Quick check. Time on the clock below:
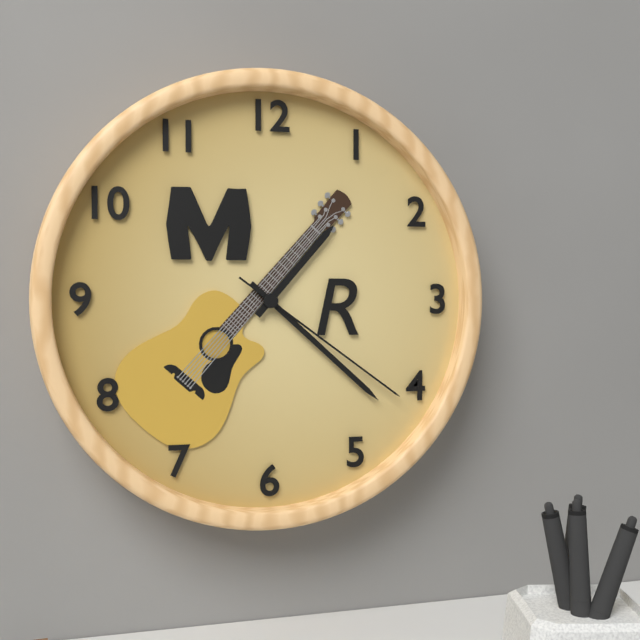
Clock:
1:22:21
